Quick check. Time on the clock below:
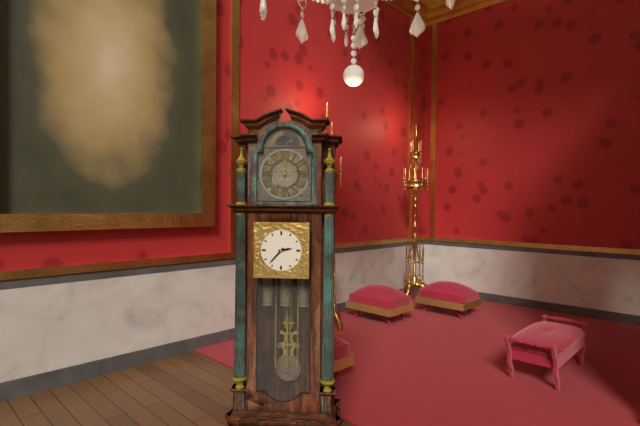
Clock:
2:37
